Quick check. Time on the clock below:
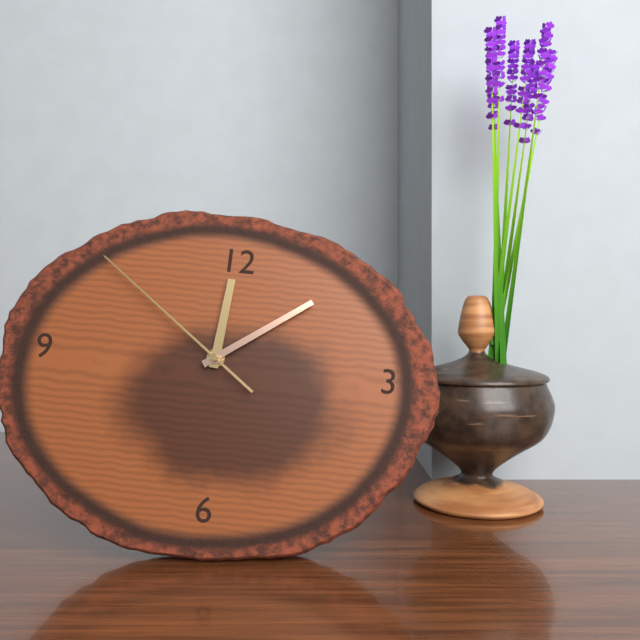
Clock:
12:09:51
